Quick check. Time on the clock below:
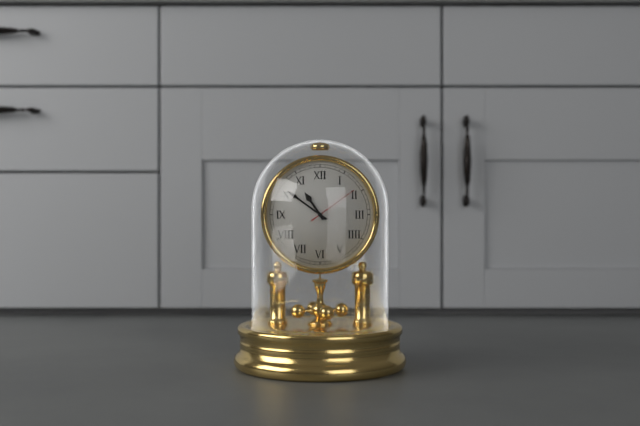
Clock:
10:51:09
